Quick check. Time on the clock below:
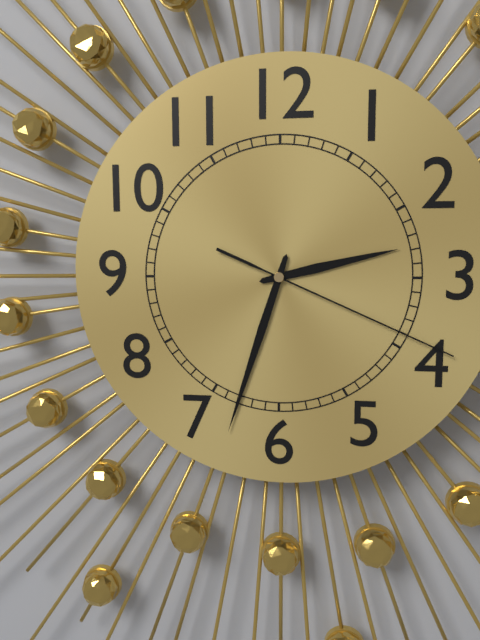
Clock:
2:33:19
